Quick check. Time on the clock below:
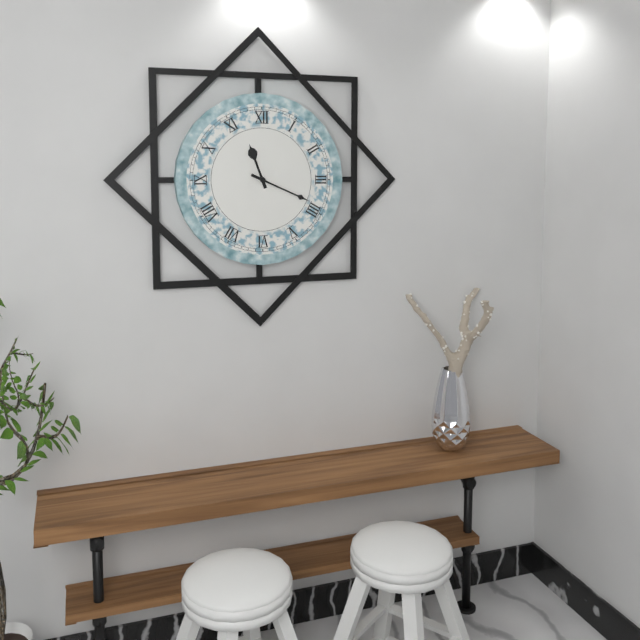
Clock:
11:19
